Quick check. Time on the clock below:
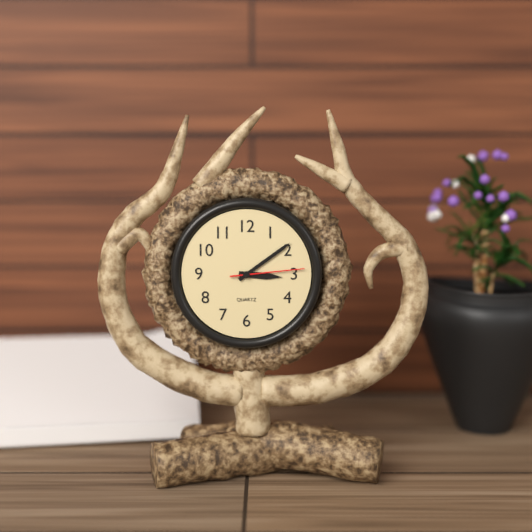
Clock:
3:09:14
